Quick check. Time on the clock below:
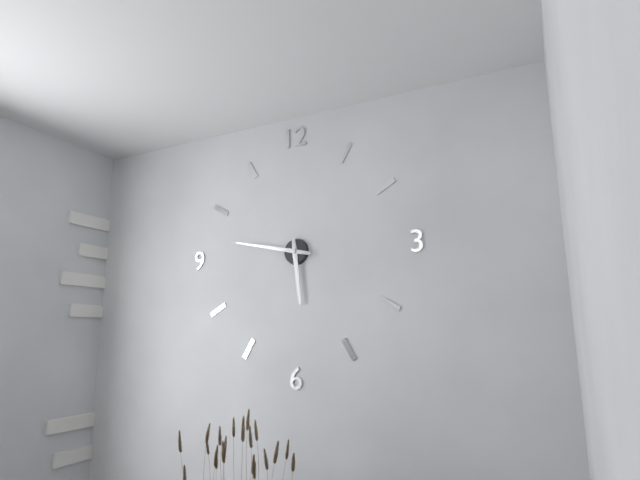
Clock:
5:47
